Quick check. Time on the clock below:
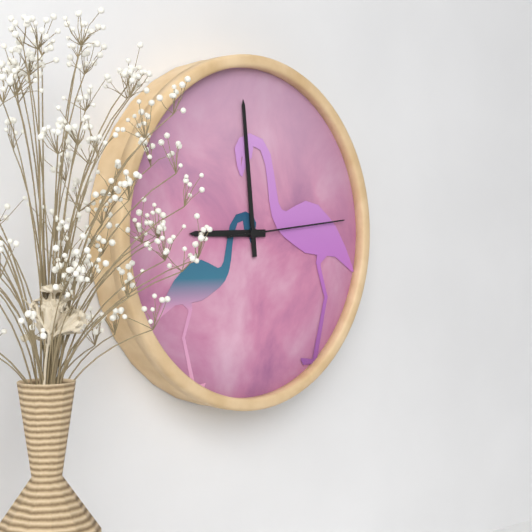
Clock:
8:59:14
